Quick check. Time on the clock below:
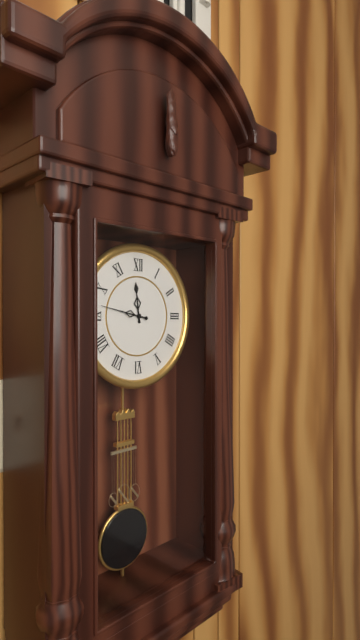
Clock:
11:47
